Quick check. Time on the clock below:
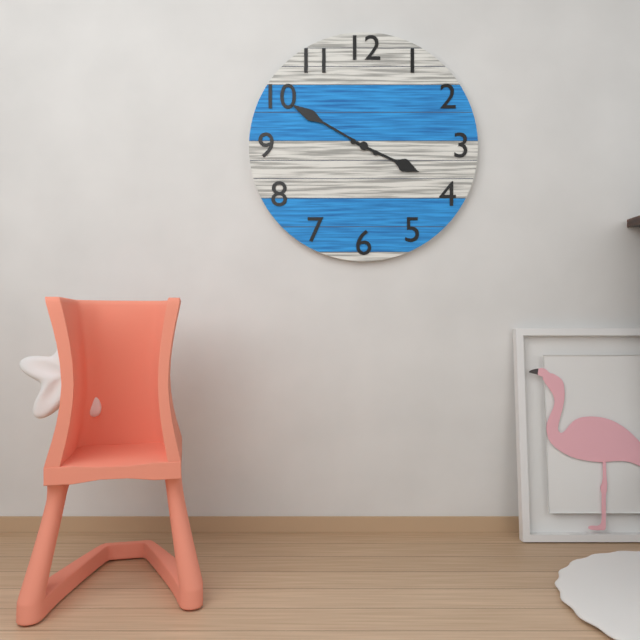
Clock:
3:50
